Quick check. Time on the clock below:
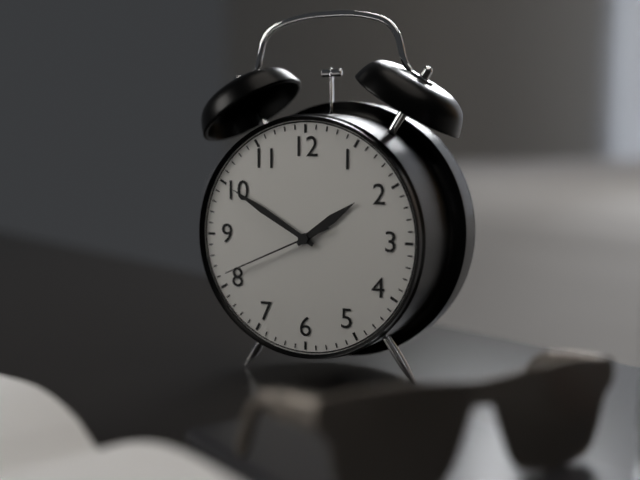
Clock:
1:50:41
